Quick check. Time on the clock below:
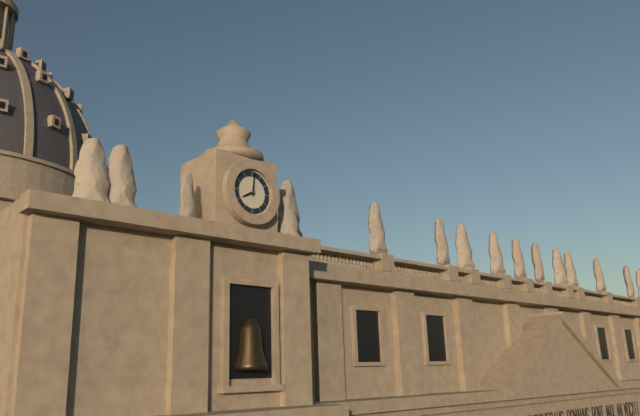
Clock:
8:01
